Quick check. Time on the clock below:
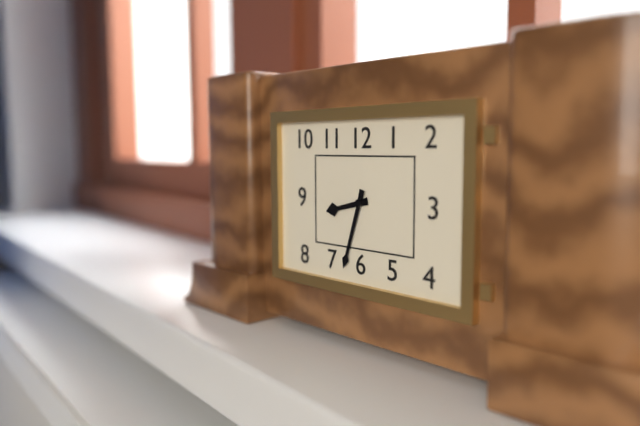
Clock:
8:33
